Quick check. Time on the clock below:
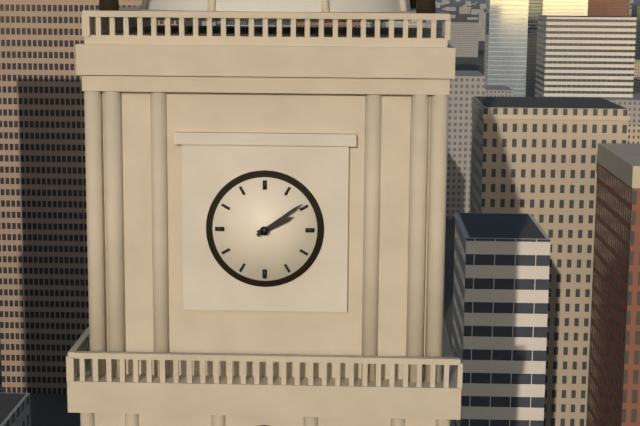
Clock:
2:09
